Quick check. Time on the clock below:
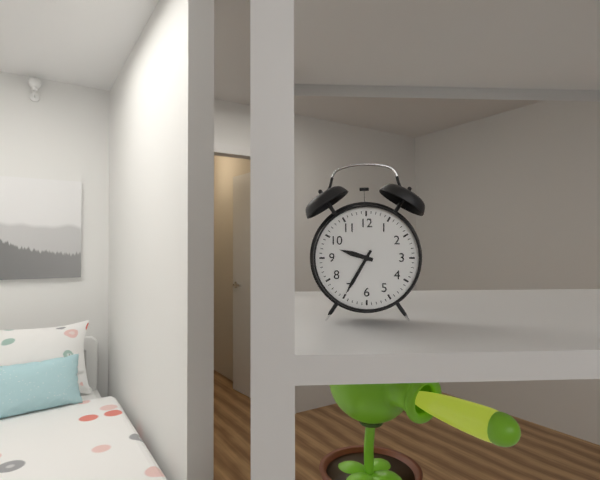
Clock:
9:35
